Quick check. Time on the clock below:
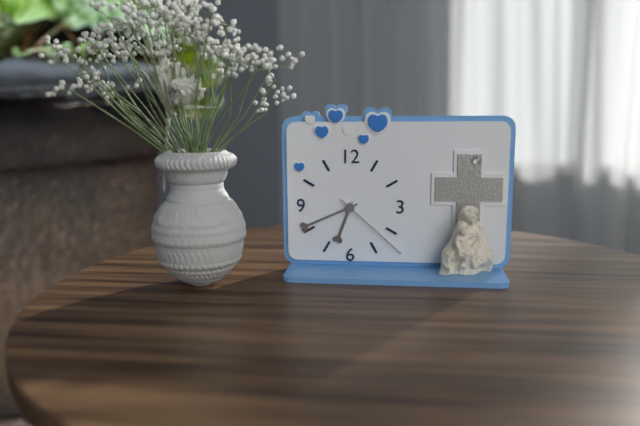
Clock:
6:41:22
